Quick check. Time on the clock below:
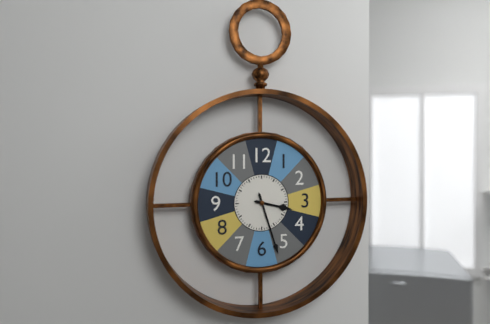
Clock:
3:27
